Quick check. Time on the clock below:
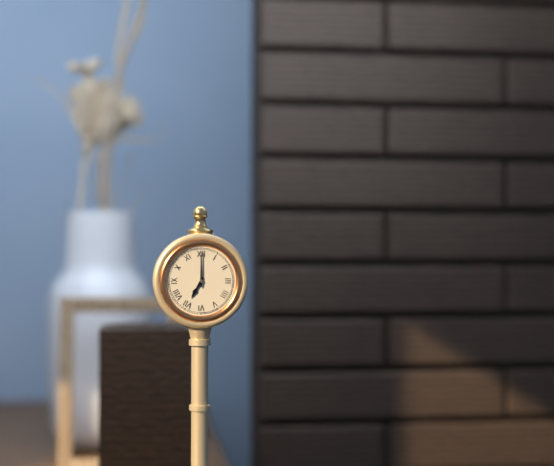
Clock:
7:00
